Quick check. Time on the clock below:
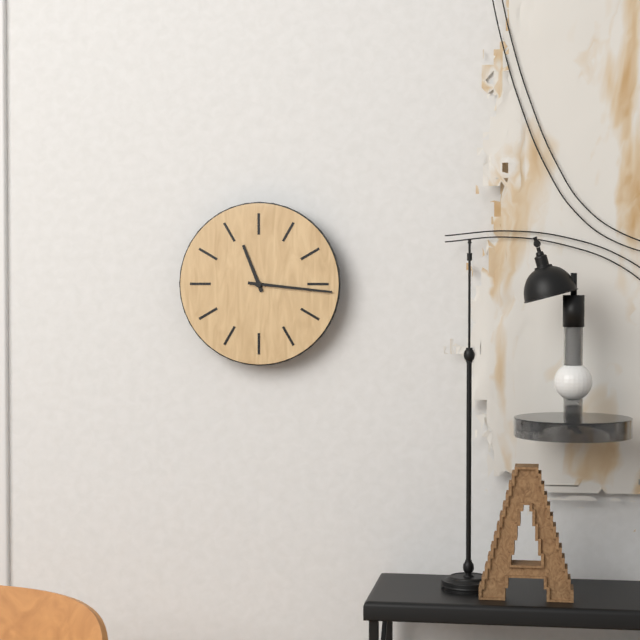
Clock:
11:16
